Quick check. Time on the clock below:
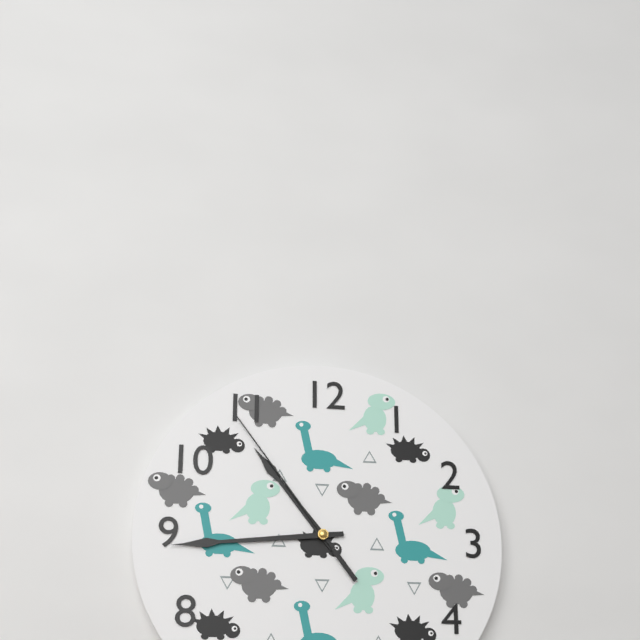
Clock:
10:44:54
